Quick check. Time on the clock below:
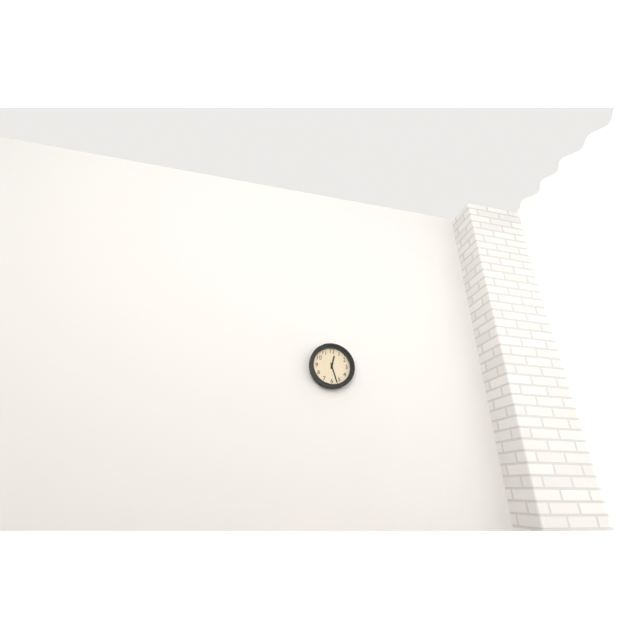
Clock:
12:27
